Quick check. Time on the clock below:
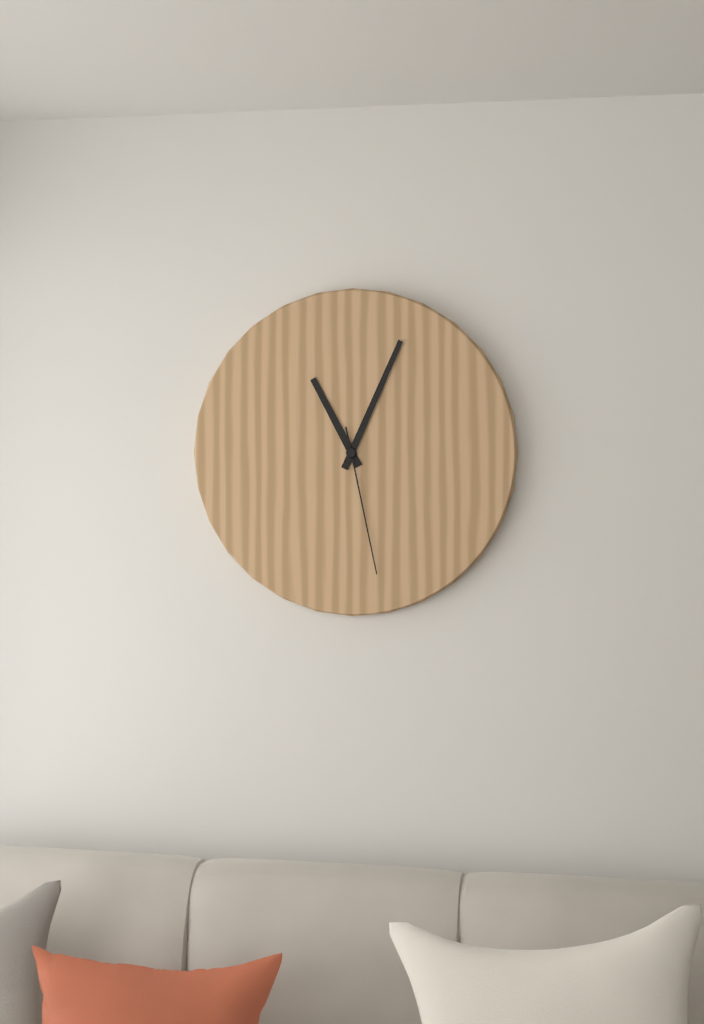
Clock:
11:04:28
